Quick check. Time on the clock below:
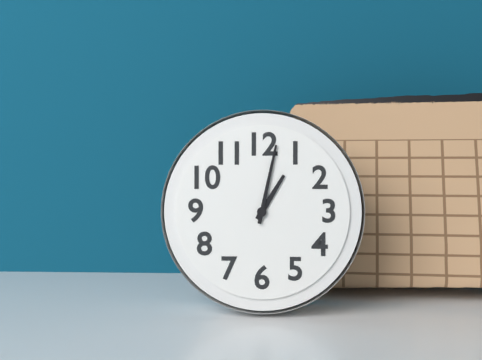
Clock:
1:02
